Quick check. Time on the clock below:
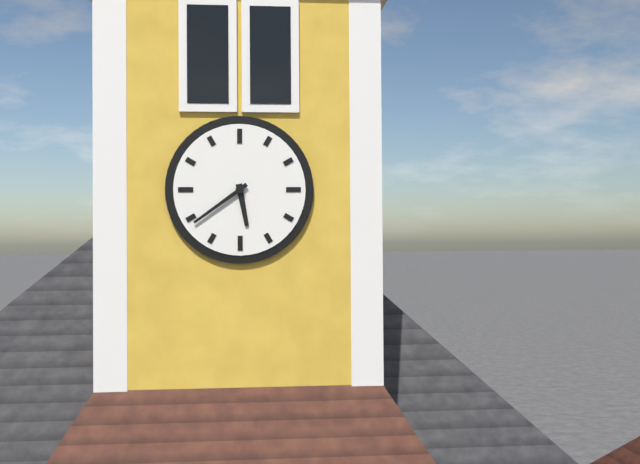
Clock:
5:39
